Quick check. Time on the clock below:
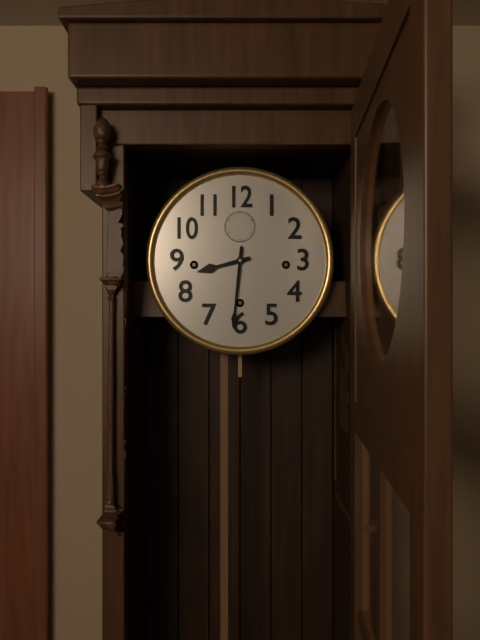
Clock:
8:31
